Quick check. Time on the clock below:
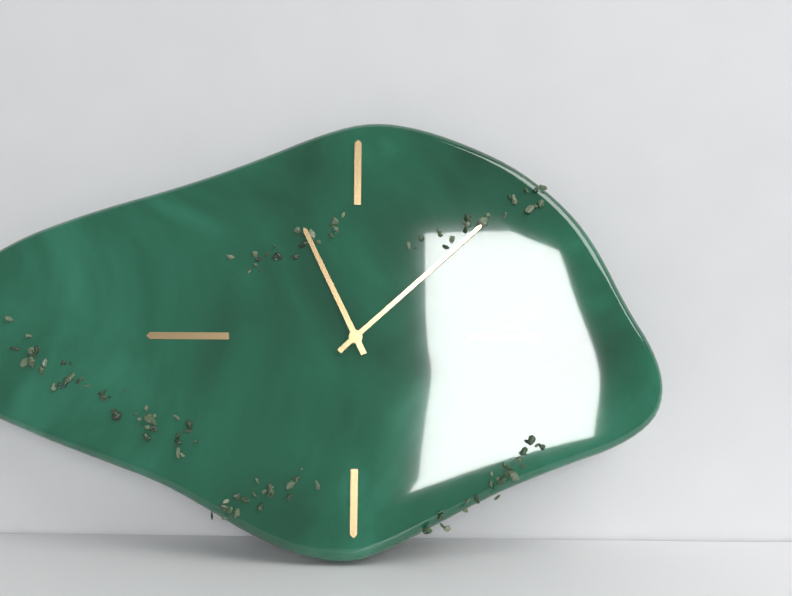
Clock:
11:08
